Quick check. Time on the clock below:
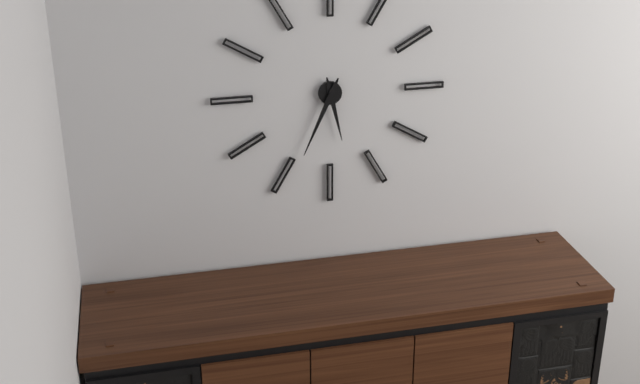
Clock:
5:34
